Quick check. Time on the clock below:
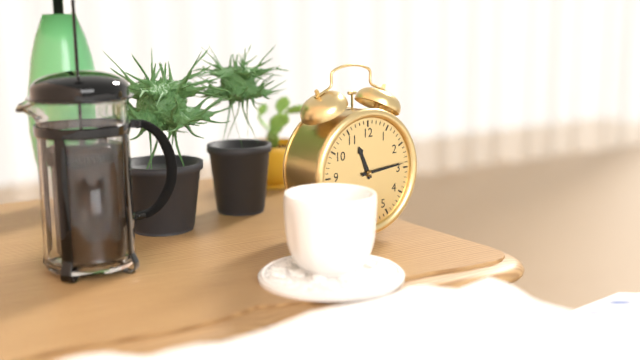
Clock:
11:14
